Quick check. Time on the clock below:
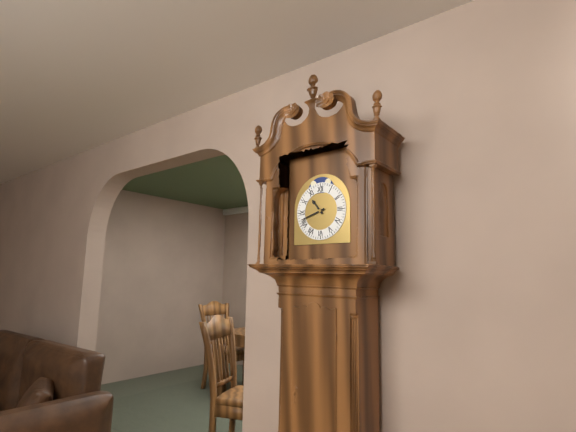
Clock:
10:42
